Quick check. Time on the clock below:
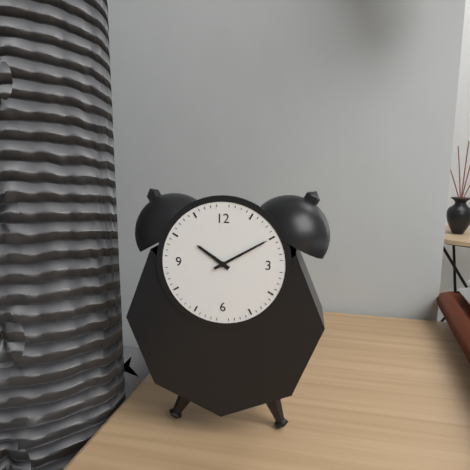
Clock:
10:10
